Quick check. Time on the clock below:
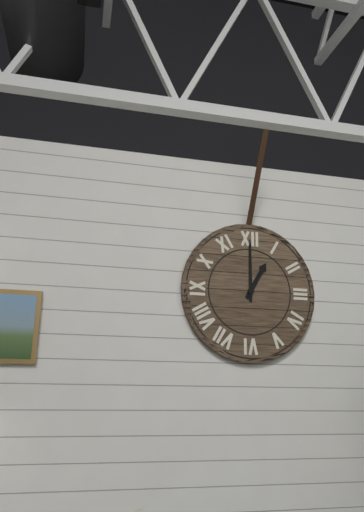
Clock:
1:00
